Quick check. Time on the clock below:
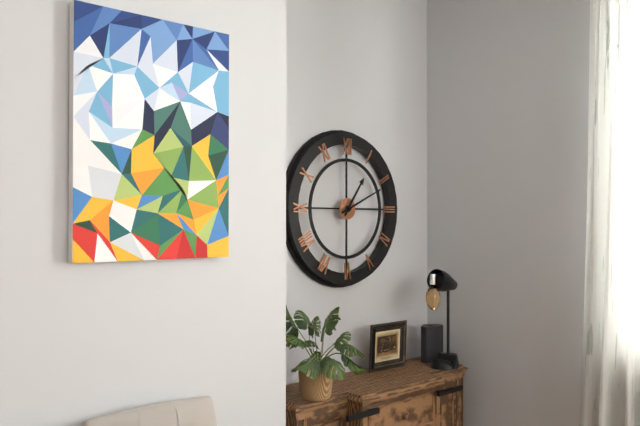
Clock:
1:11
